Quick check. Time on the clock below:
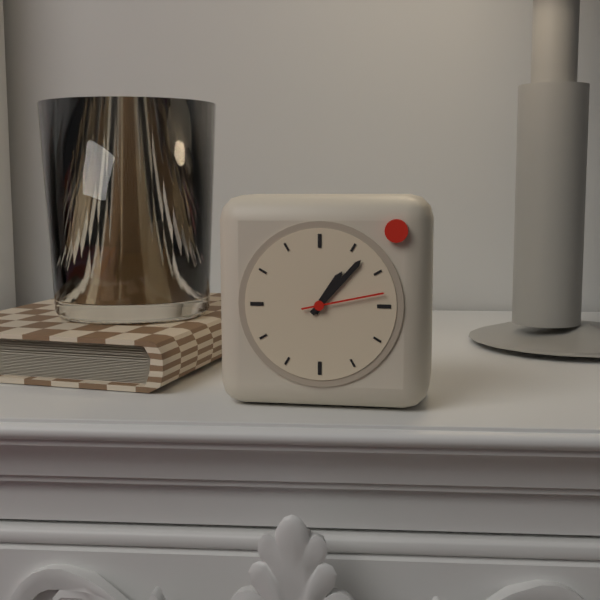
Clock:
1:07:13
